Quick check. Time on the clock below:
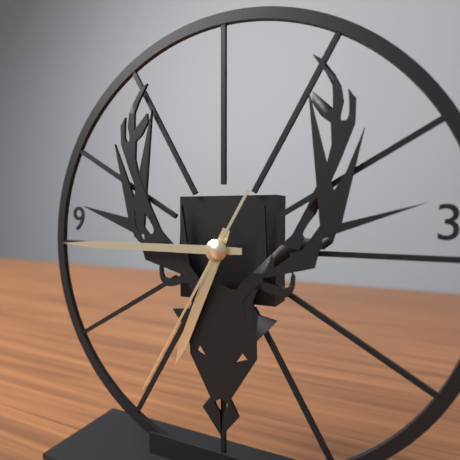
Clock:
6:45:35
